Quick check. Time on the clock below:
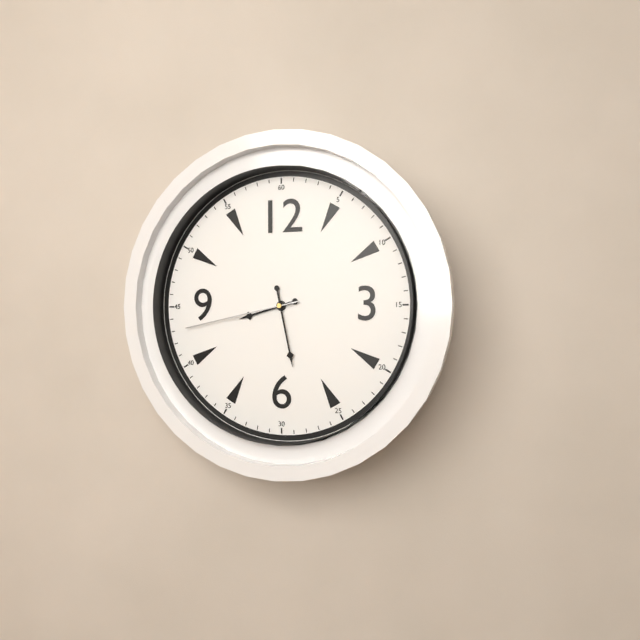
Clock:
8:28:43
